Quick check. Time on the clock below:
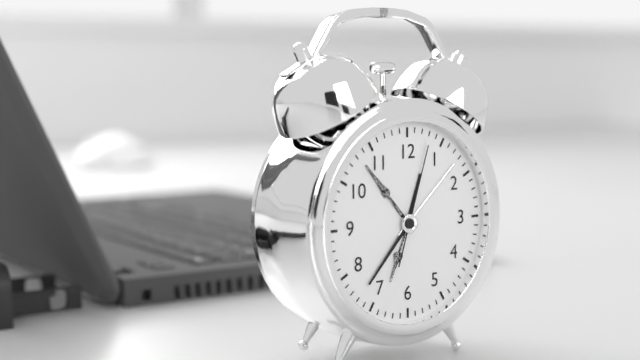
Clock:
12:37:03
